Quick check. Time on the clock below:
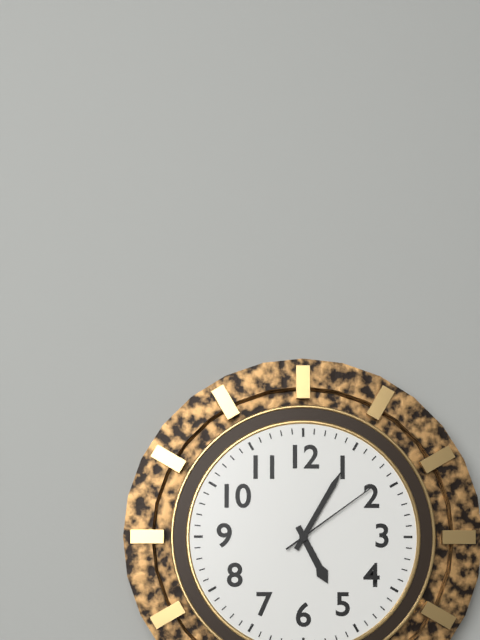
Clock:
5:05:09
